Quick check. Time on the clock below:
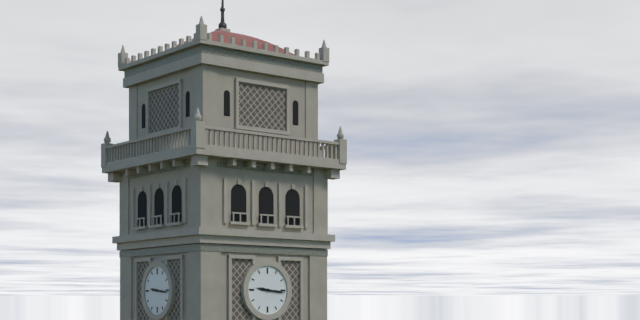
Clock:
9:16
